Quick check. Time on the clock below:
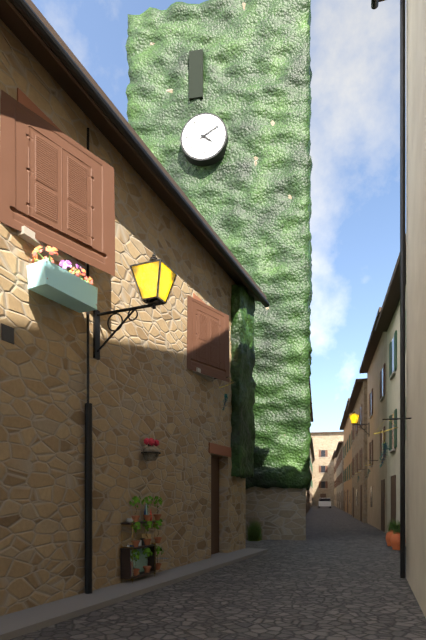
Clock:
4:10
